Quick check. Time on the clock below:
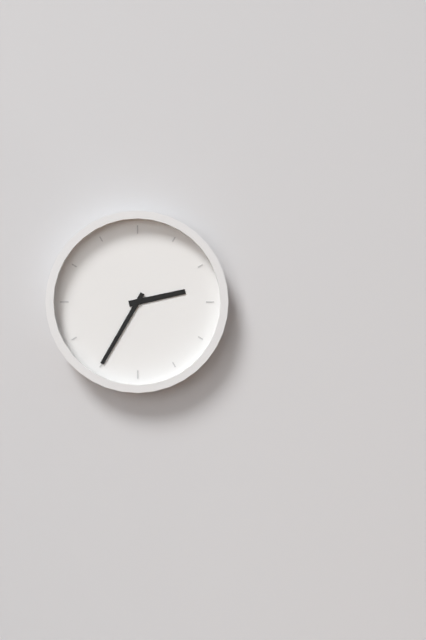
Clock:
2:35
